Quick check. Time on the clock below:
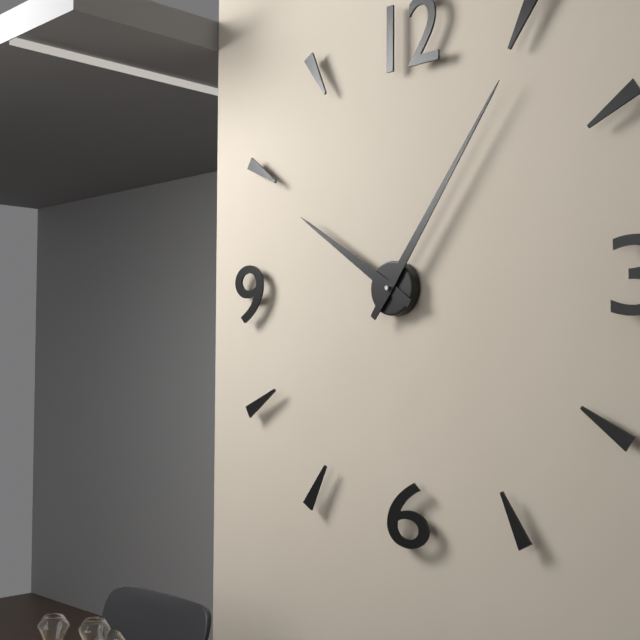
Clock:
10:06
